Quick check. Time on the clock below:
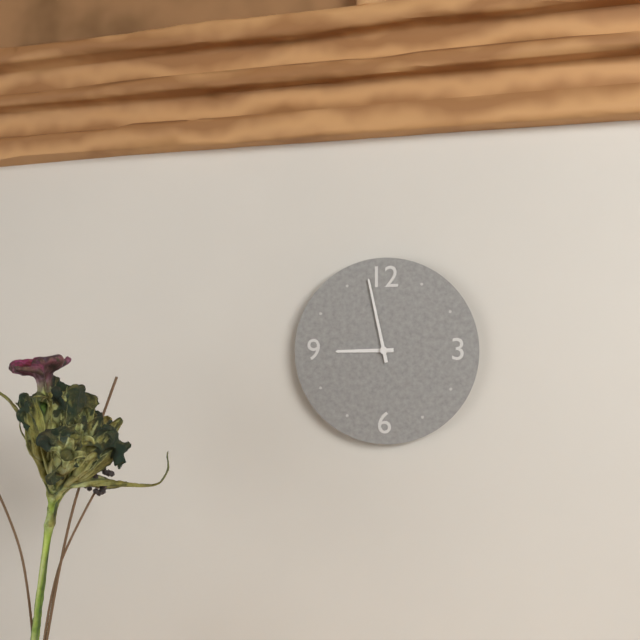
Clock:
8:58
